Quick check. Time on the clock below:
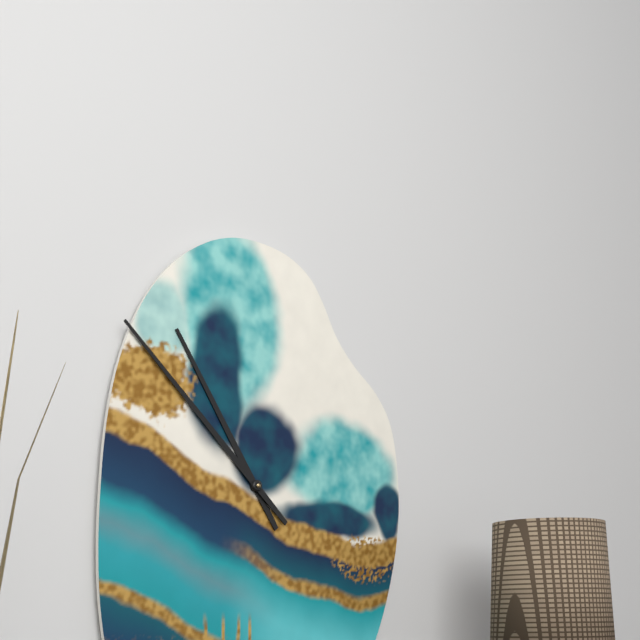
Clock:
10:52
